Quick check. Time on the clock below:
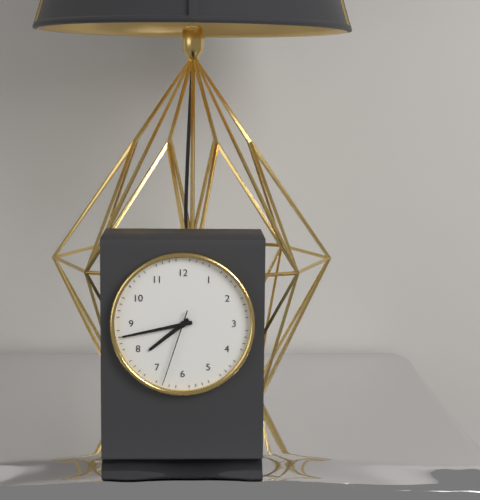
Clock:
7:43:33
